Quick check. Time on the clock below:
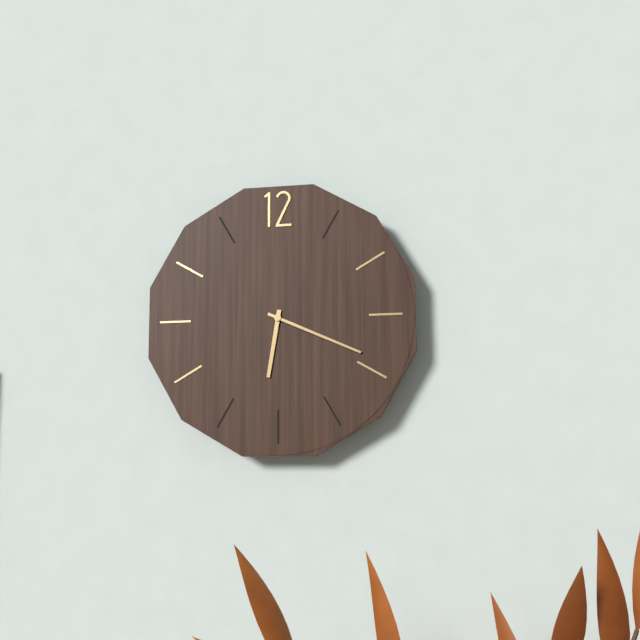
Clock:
6:19
